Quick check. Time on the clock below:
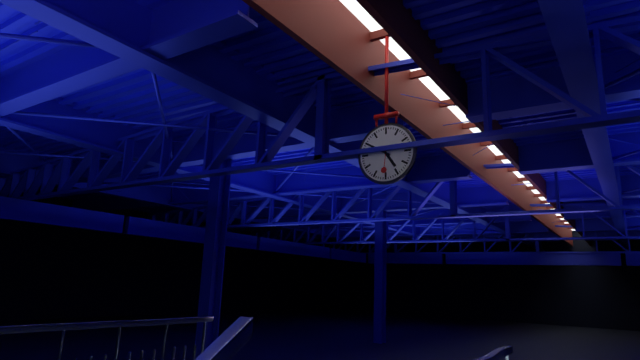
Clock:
4:50
